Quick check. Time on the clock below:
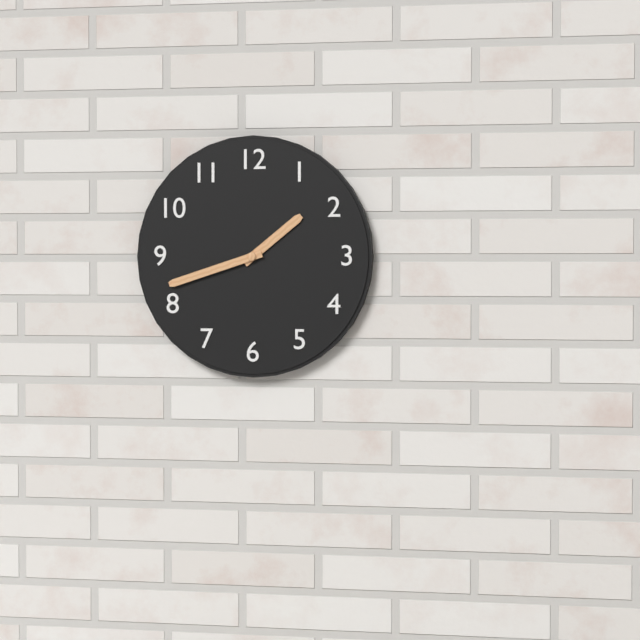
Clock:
1:42
